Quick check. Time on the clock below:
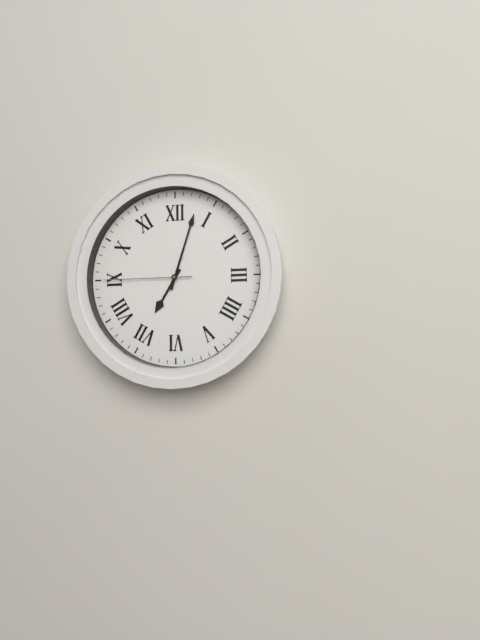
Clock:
7:03:45
